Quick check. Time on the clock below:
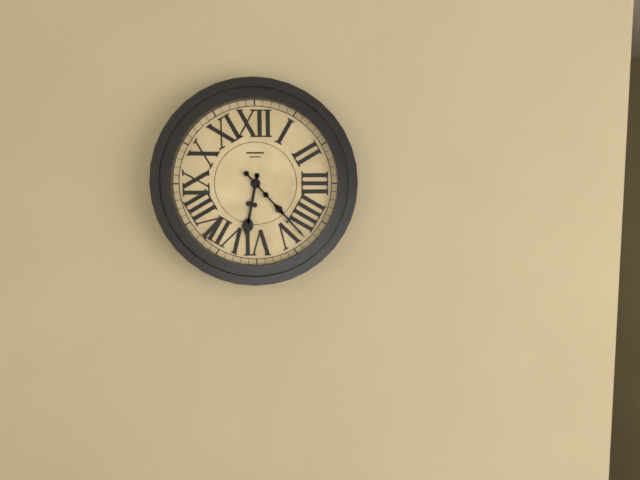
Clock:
6:23
